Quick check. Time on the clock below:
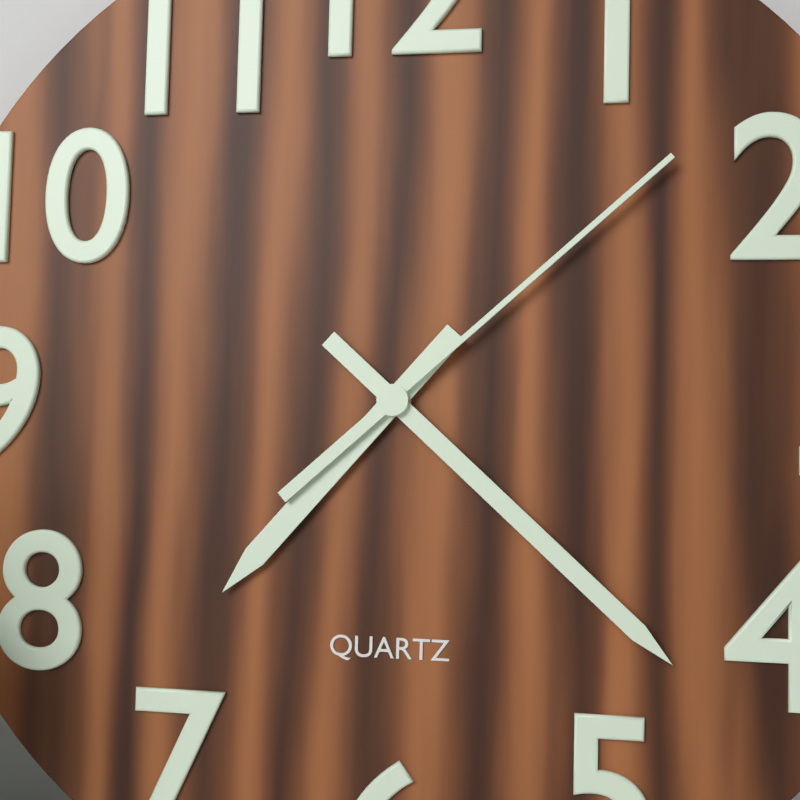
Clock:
7:22:08
